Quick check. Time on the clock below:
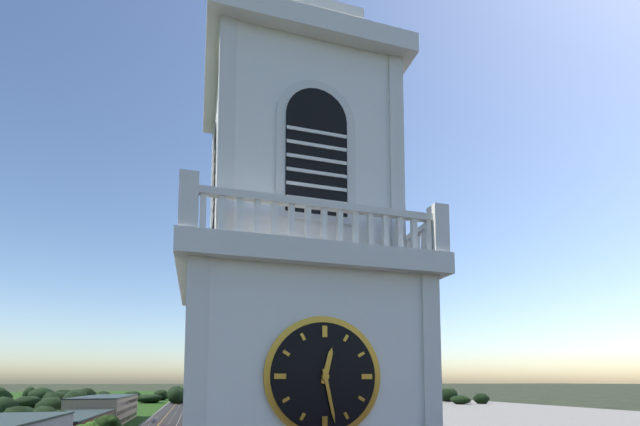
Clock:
12:28
